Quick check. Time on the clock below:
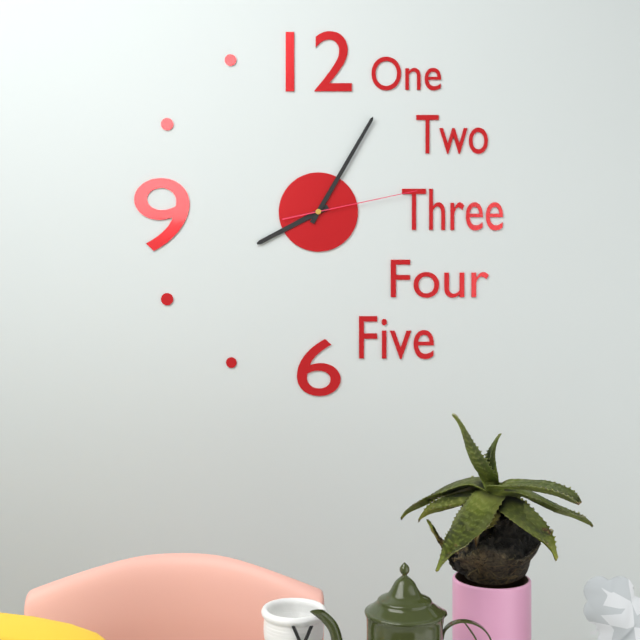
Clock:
8:05:13
